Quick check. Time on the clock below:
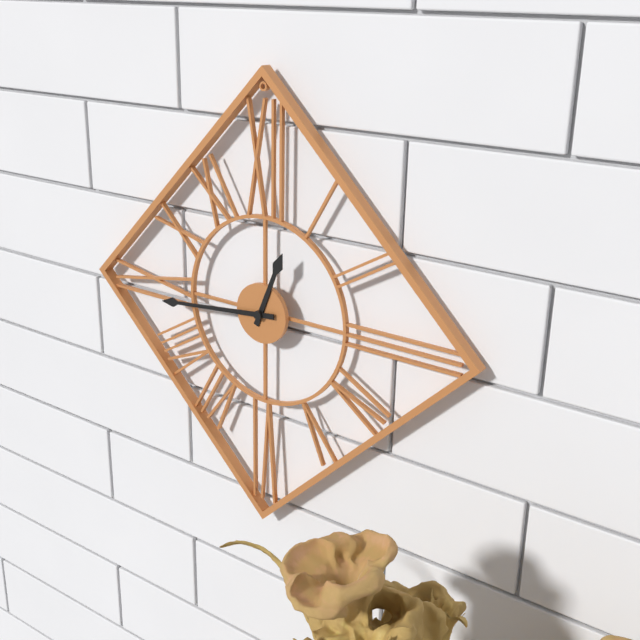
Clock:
12:44
